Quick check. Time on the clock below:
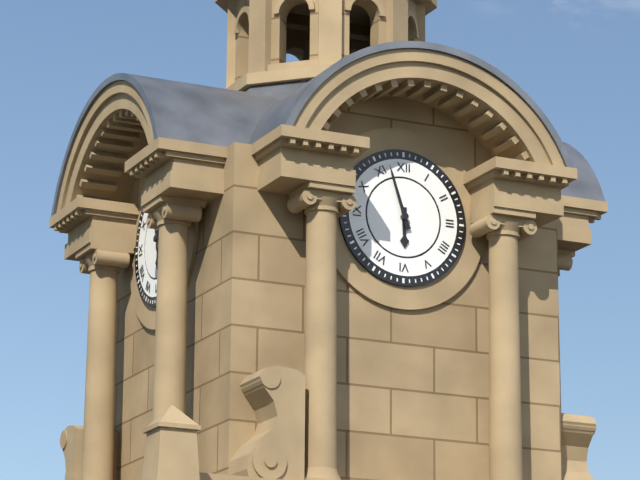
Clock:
5:57
